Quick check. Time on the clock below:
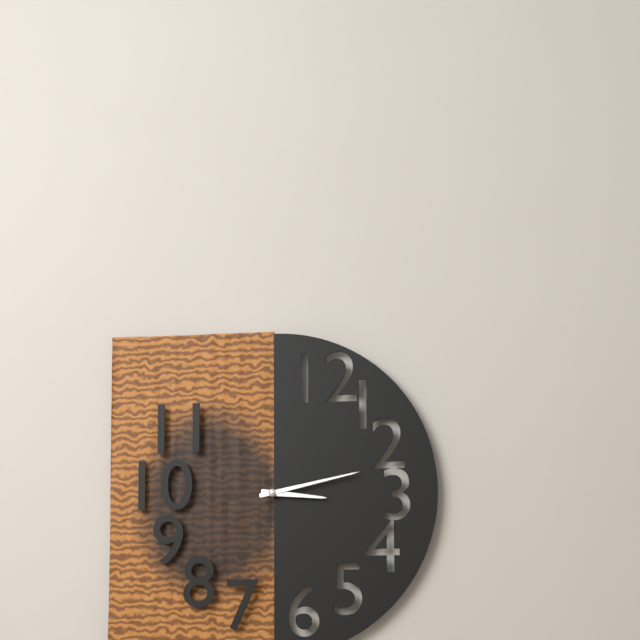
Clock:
3:13
